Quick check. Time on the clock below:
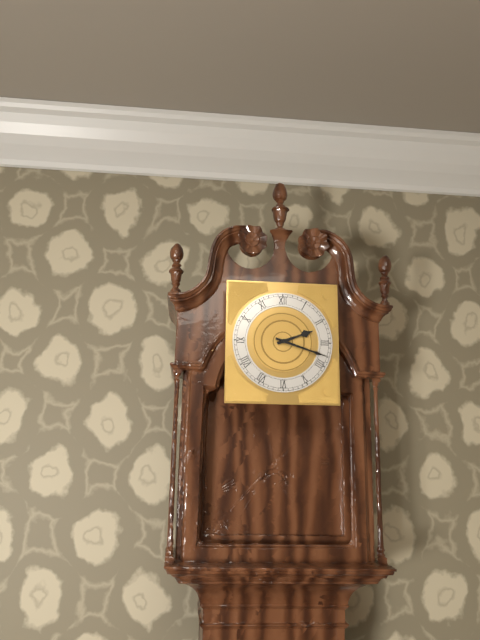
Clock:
2:18
